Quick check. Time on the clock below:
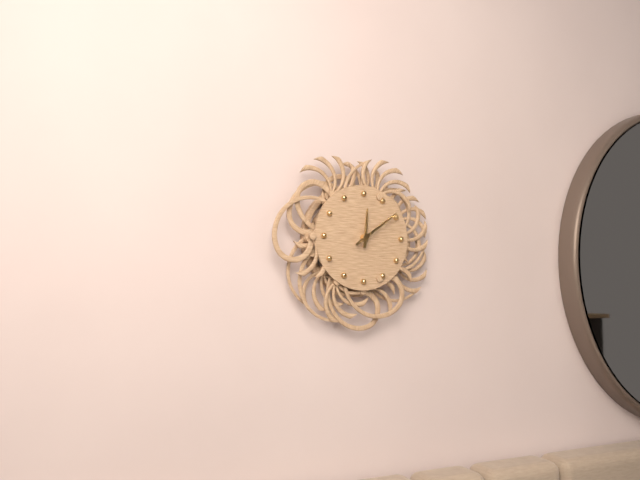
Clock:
12:09
